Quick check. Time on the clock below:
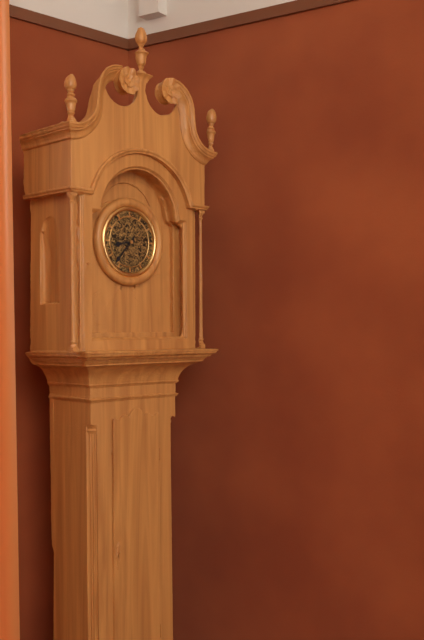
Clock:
8:37
